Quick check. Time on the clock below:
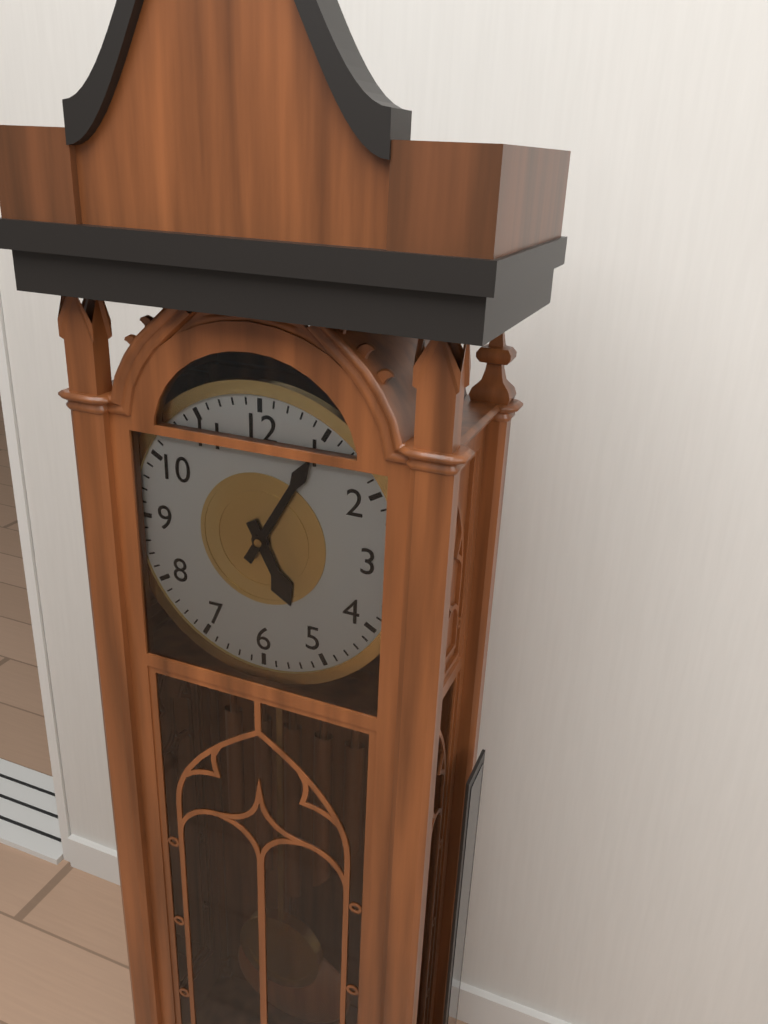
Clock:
5:05
